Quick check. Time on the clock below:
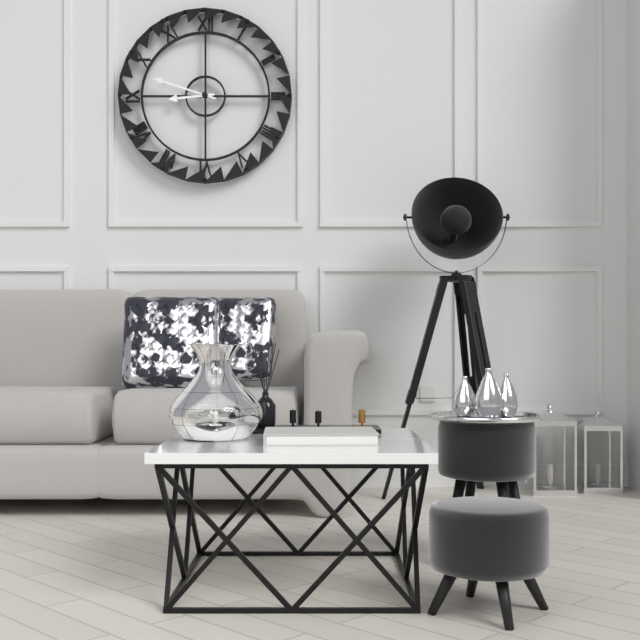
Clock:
8:48
